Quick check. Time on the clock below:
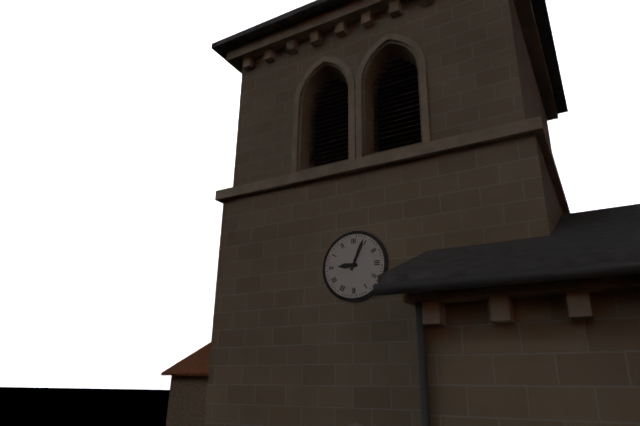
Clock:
9:04
